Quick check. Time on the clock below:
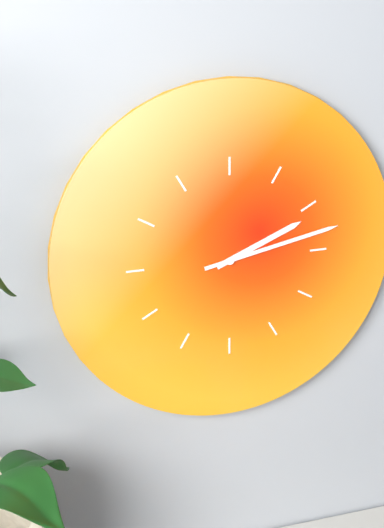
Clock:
2:13
